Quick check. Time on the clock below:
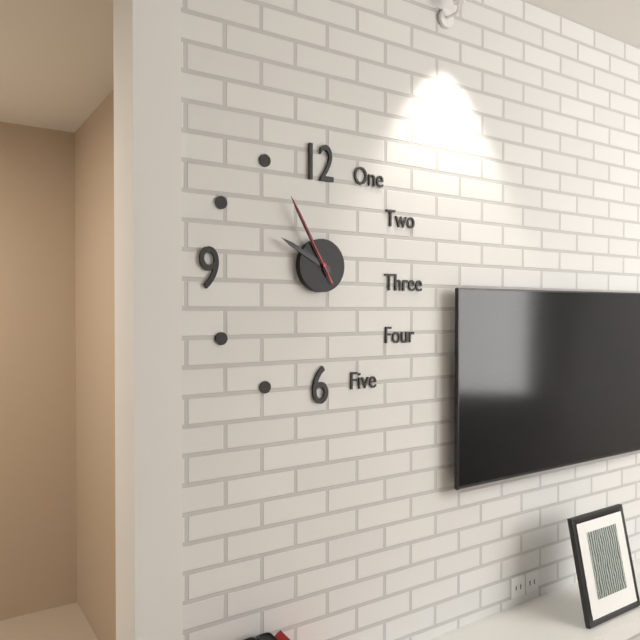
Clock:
9:55:55
